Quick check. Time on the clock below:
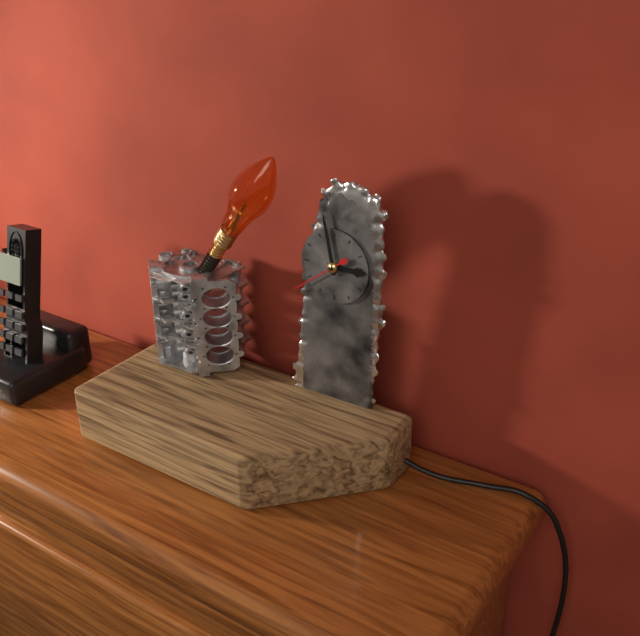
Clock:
2:58:39
